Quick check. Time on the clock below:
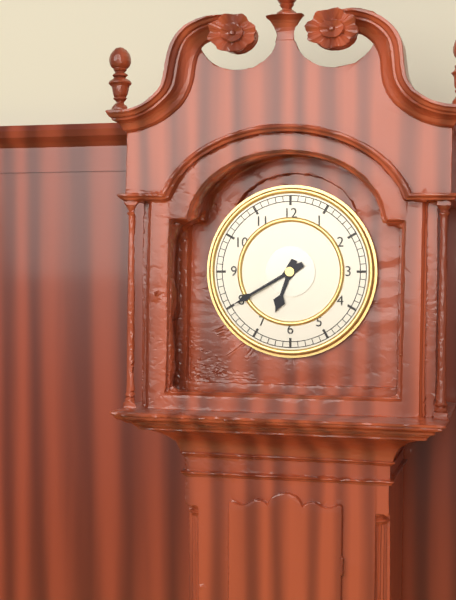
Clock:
6:40
